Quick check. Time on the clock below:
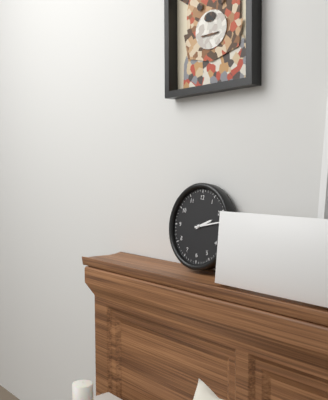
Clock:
2:13
